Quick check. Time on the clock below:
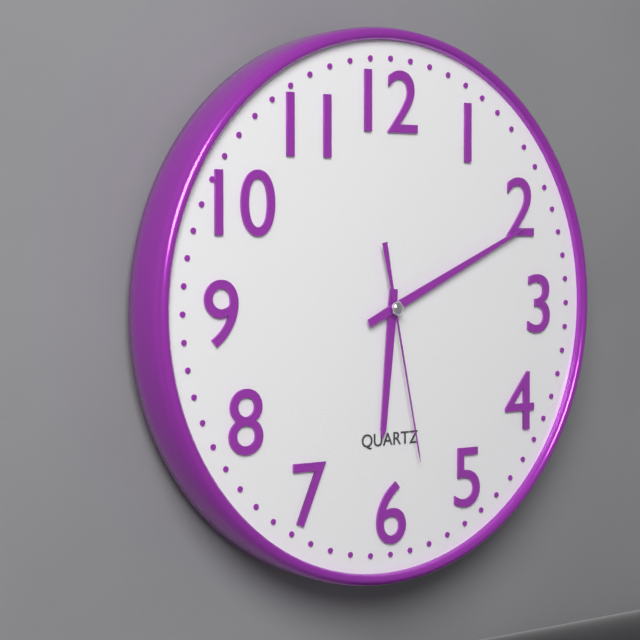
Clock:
6:11:28
